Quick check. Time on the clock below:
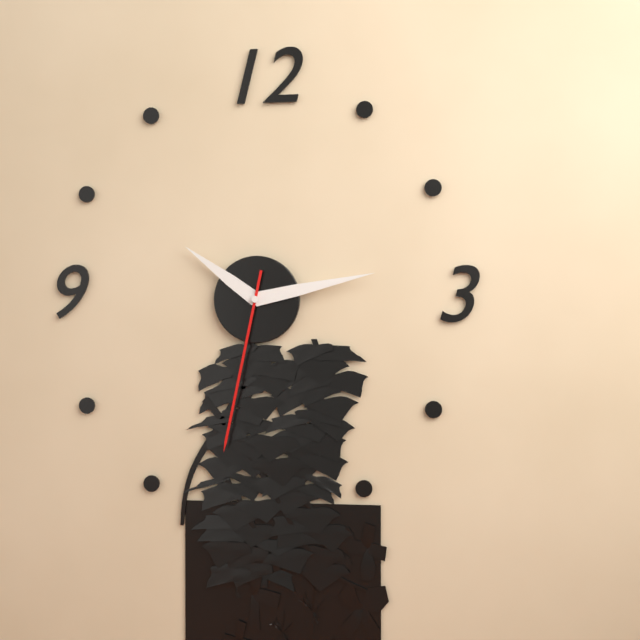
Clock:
10:13:32
